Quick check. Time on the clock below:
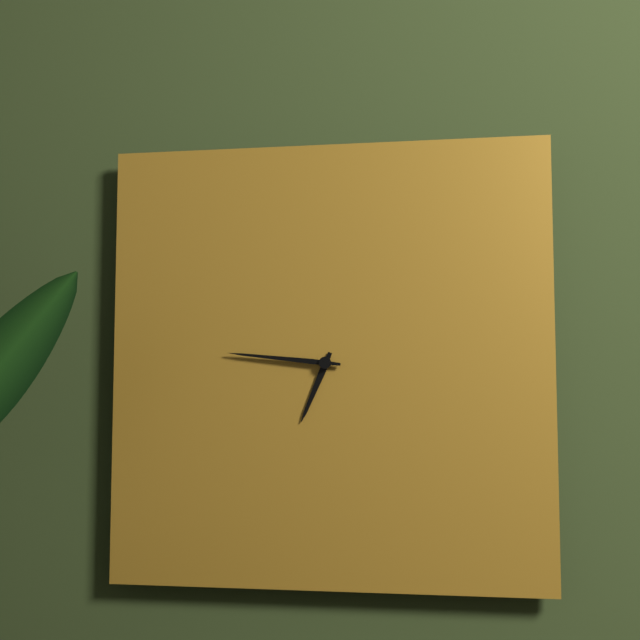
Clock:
6:46
